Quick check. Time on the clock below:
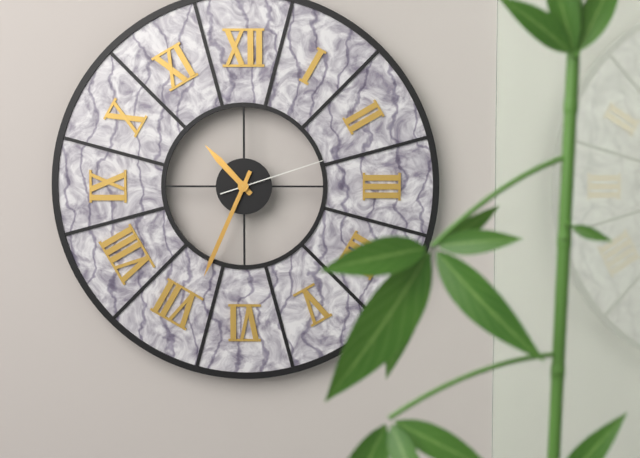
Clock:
10:34:12
